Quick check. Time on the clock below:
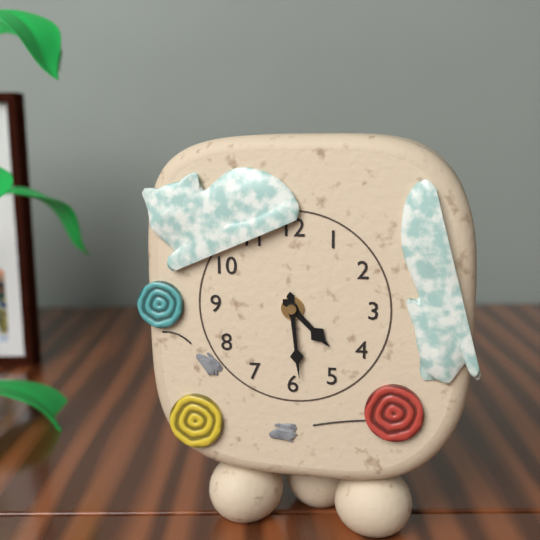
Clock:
4:29
